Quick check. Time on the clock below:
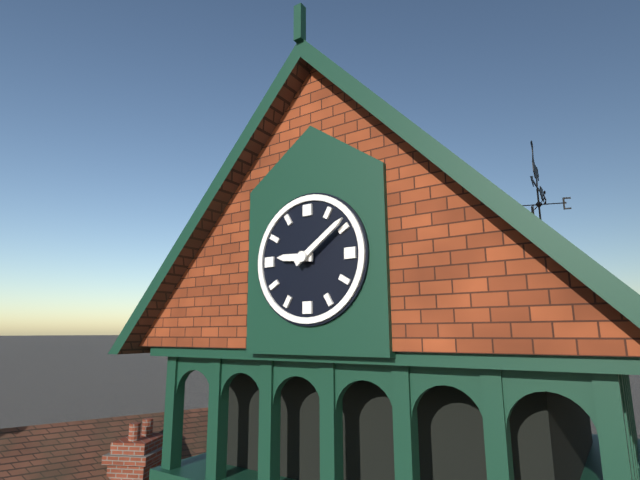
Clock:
9:09
